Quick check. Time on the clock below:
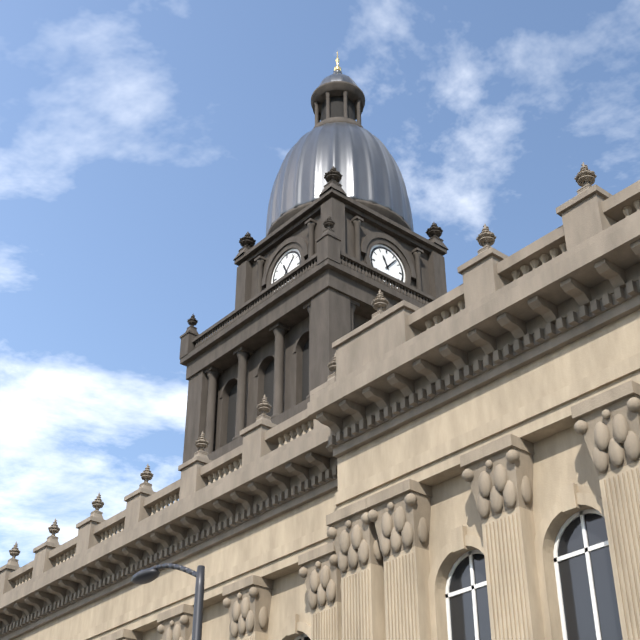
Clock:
11:07
